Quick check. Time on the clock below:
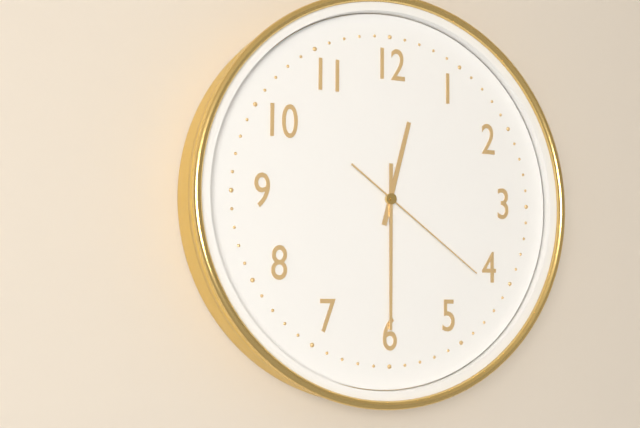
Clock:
12:30:21
